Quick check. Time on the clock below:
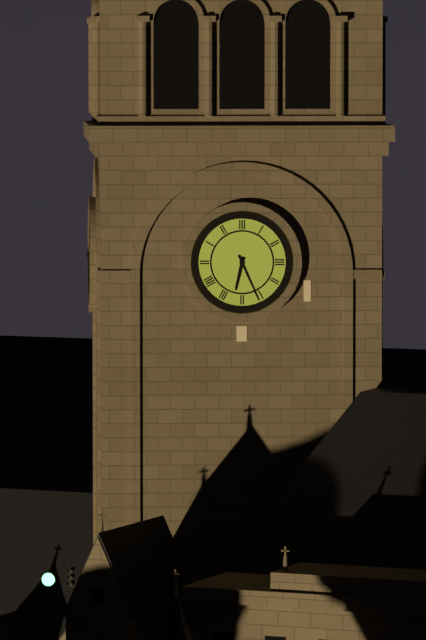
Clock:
6:26
